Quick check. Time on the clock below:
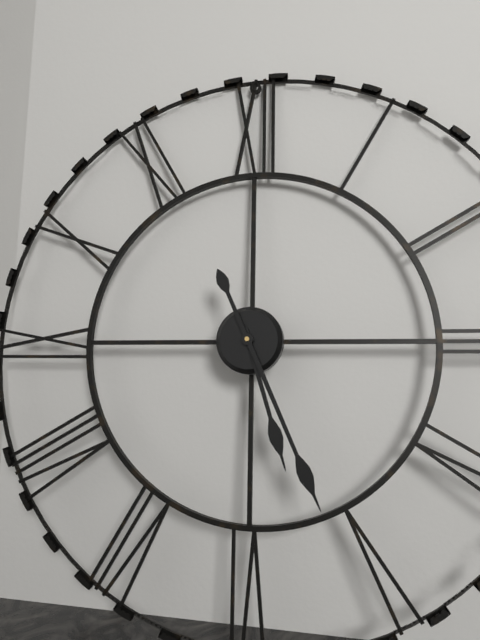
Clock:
5:26
